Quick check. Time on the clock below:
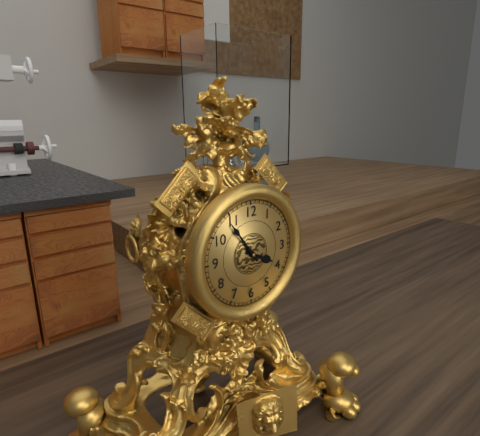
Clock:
3:54
